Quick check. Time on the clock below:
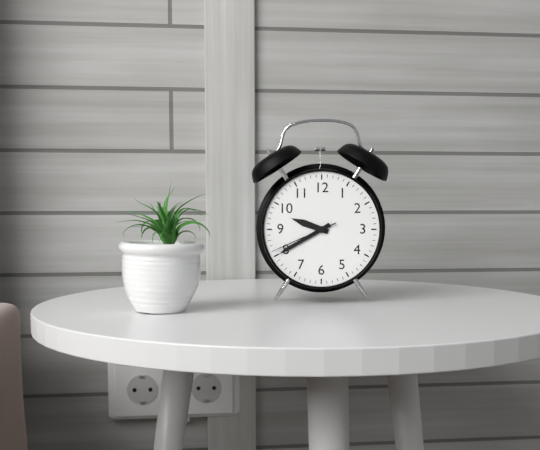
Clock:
9:40:41
